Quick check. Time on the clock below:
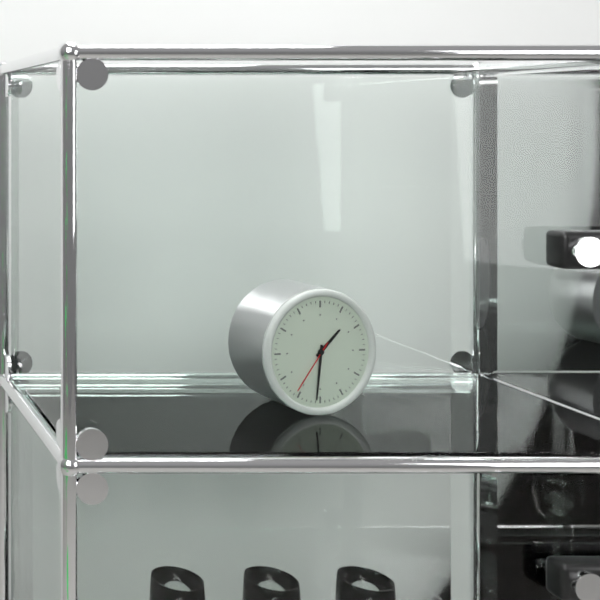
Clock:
1:31:36
